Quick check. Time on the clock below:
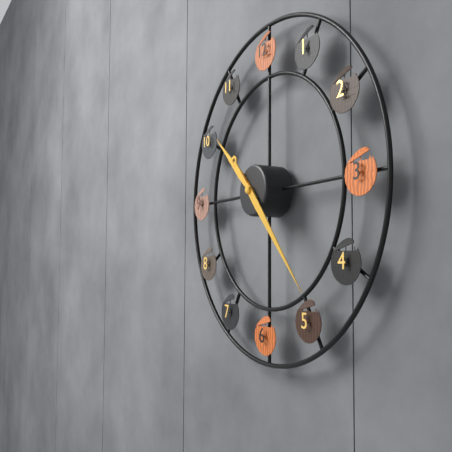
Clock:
10:23
